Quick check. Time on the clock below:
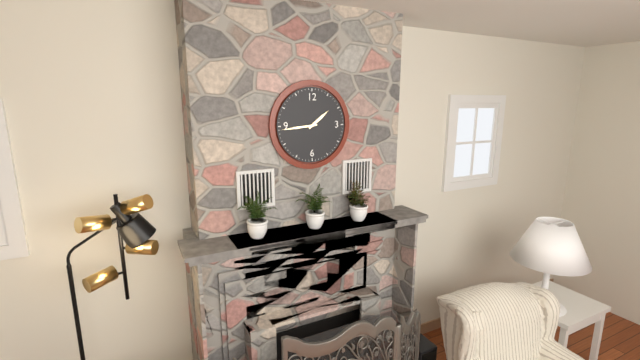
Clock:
1:44
